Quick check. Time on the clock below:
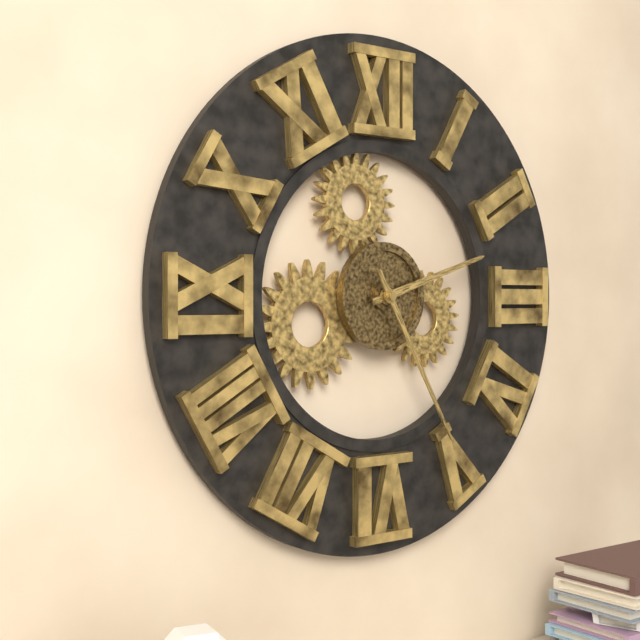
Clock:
2:25
